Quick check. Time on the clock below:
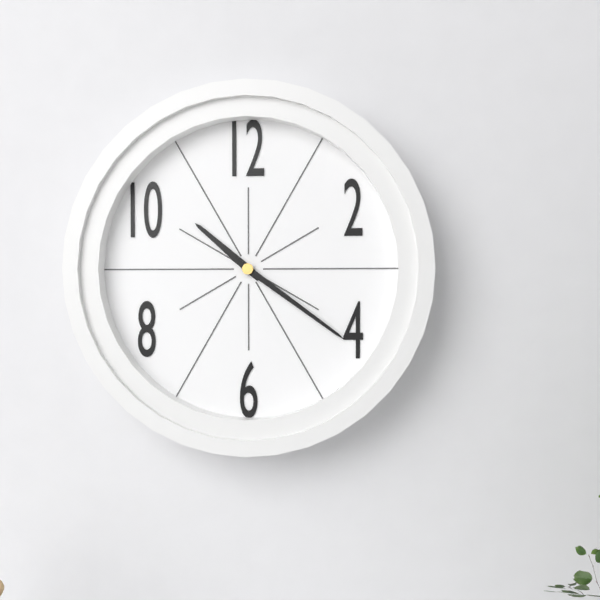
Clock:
10:21
